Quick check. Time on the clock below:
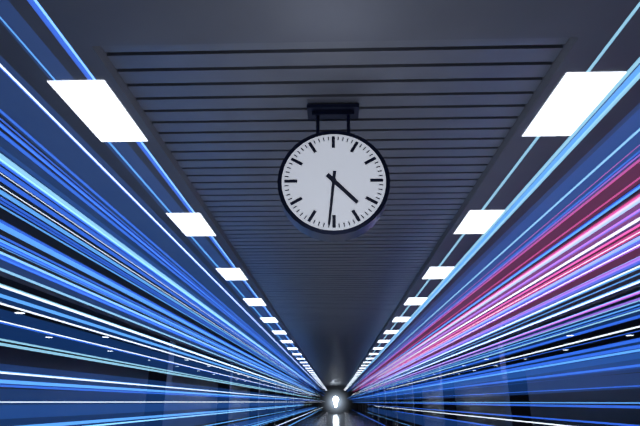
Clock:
4:31
